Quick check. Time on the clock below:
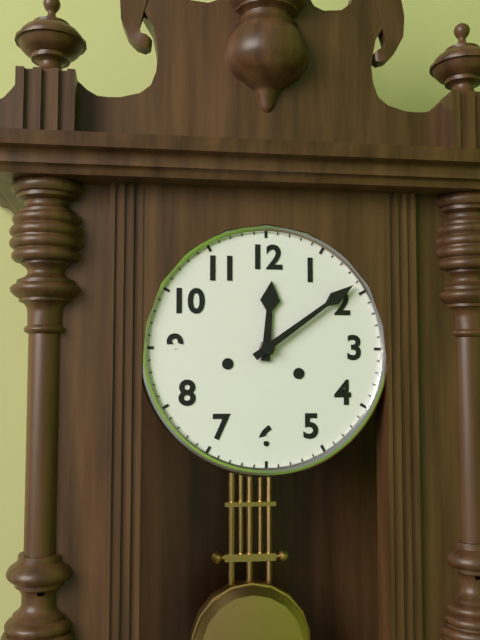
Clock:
12:09
